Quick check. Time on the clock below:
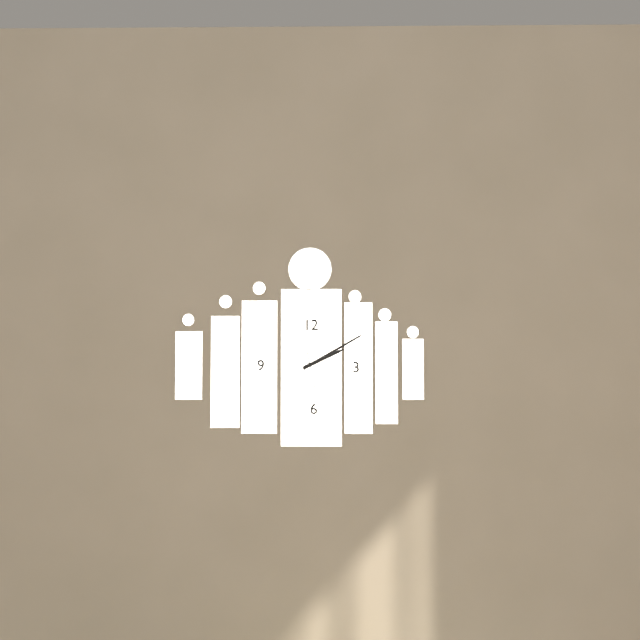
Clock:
2:10:28
